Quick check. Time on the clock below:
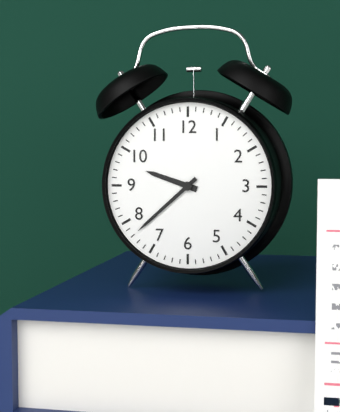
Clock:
9:38
